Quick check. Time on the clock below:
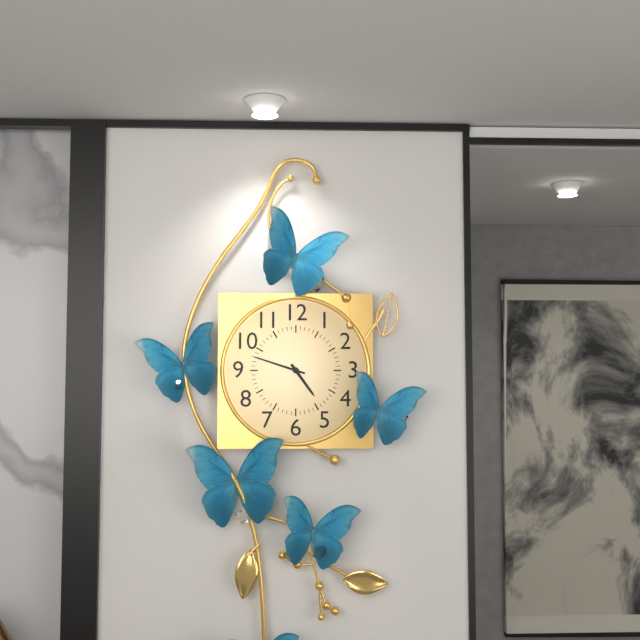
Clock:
4:48
